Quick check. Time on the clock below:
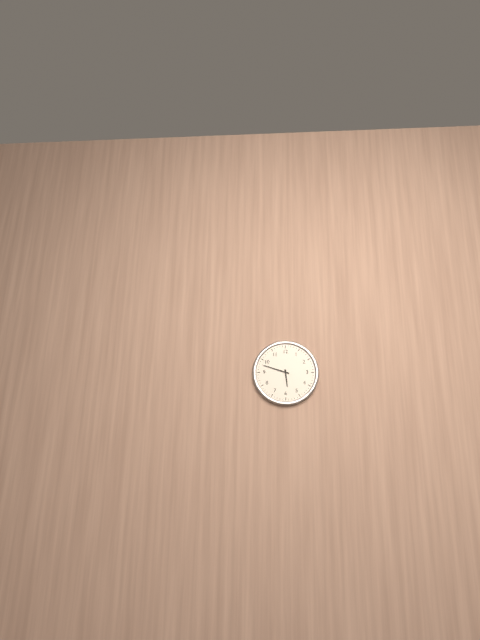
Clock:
5:48
